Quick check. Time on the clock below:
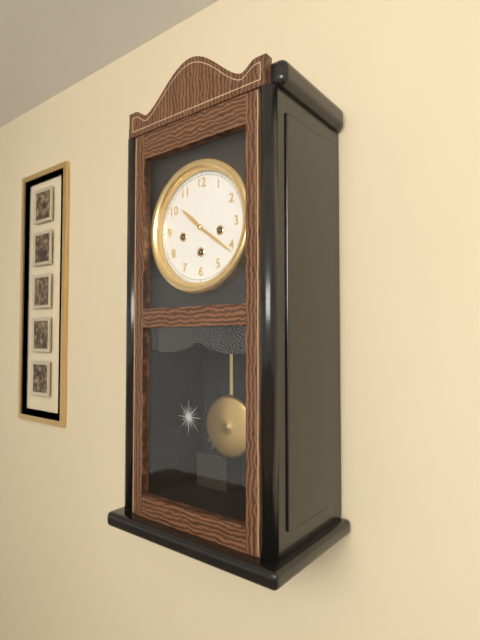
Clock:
10:21
